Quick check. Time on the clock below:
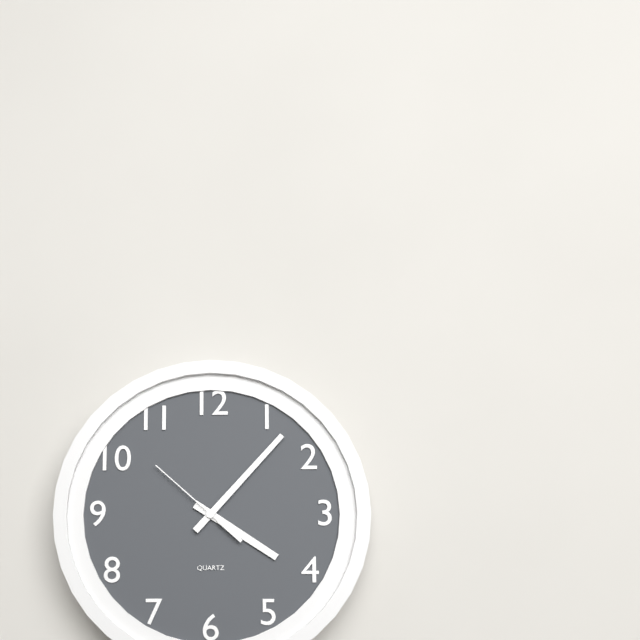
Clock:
4:07:52
